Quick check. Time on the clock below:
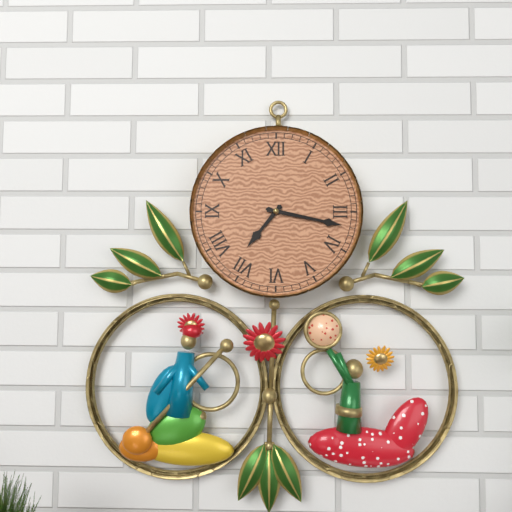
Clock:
7:17
